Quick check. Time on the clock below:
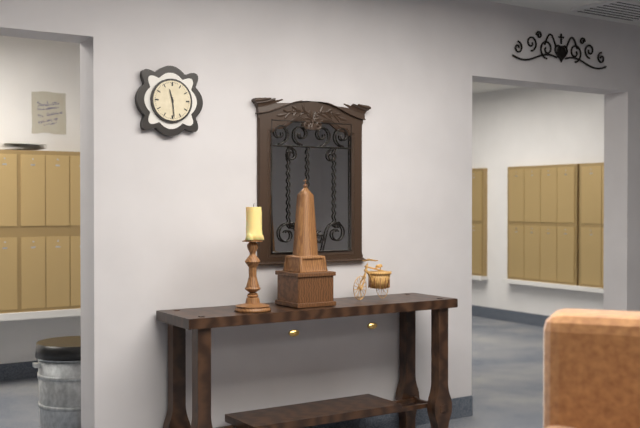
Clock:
11:29
